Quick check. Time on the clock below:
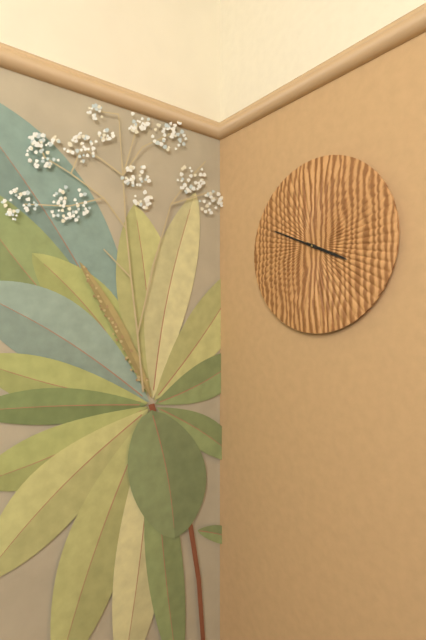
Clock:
3:49
